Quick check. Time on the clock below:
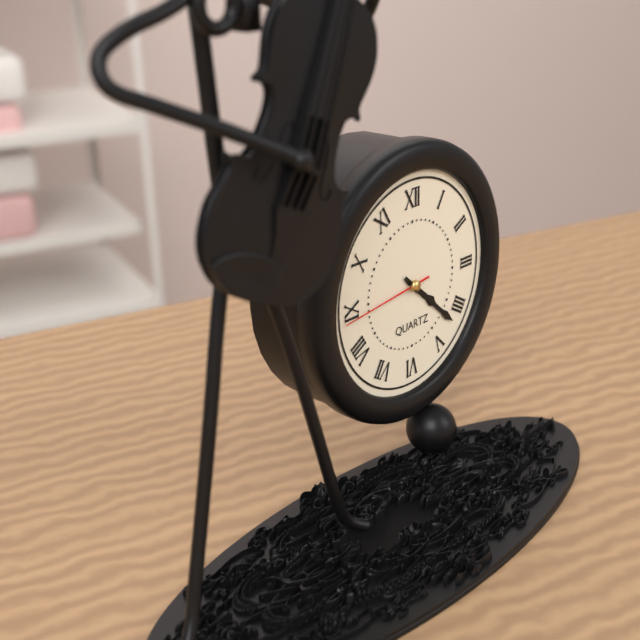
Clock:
4:22:44
